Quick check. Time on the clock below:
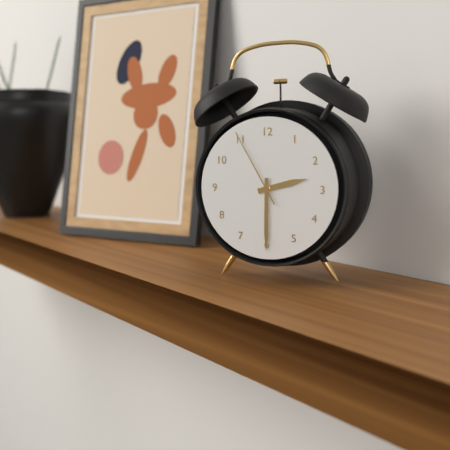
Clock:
2:30:55
